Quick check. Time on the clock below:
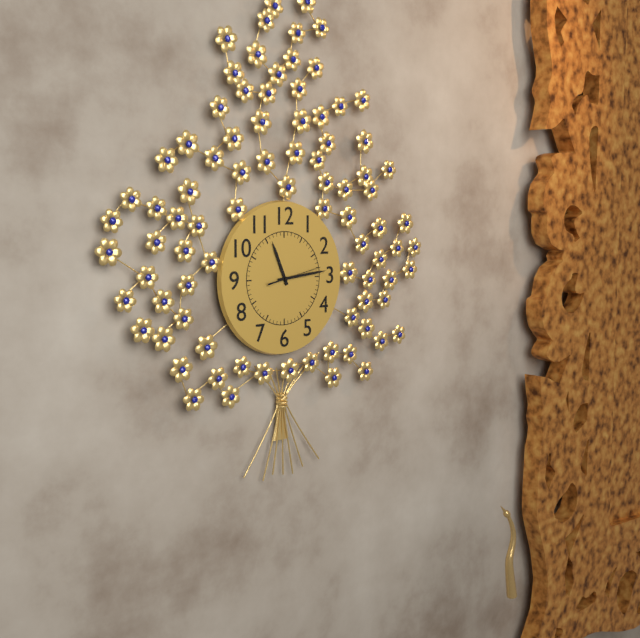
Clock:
11:14
